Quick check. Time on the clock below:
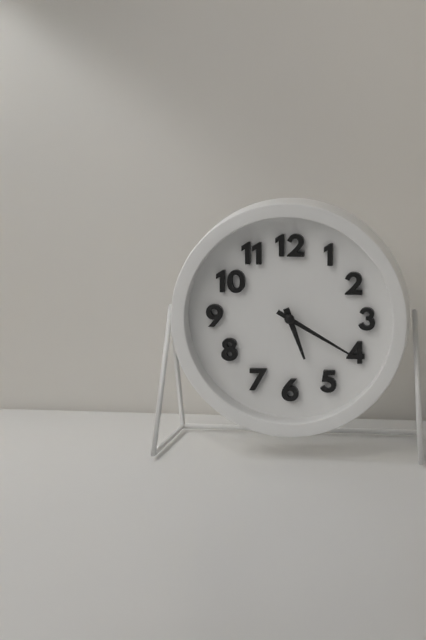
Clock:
5:20
